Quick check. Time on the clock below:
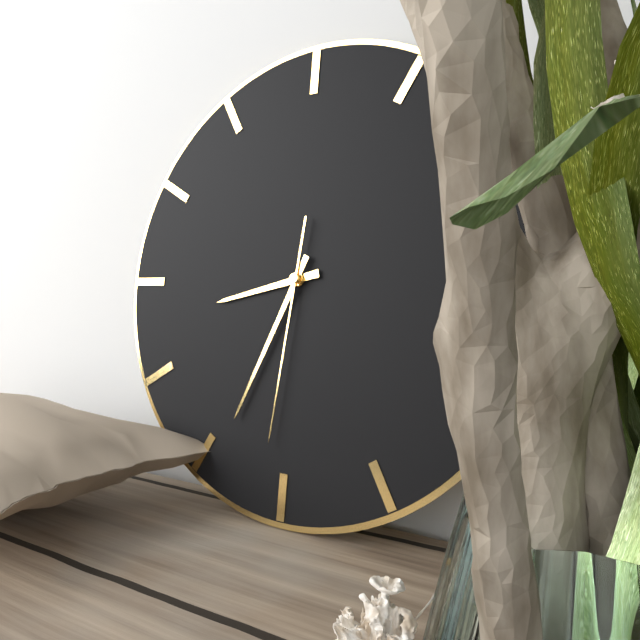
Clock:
8:34:31
